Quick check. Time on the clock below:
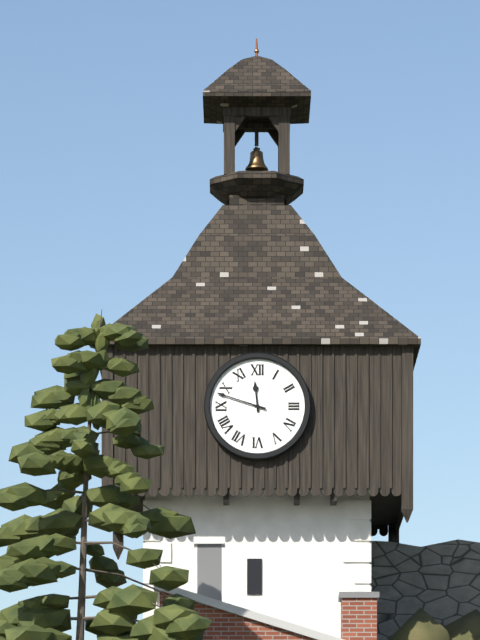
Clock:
11:48
